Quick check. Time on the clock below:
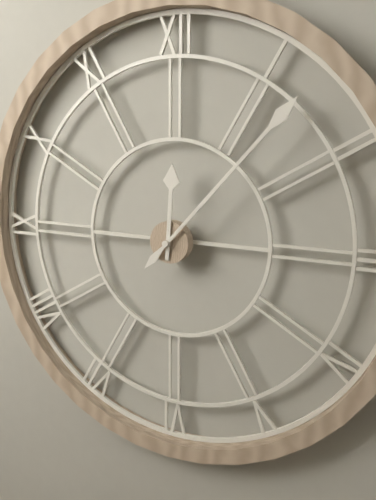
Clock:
12:07
